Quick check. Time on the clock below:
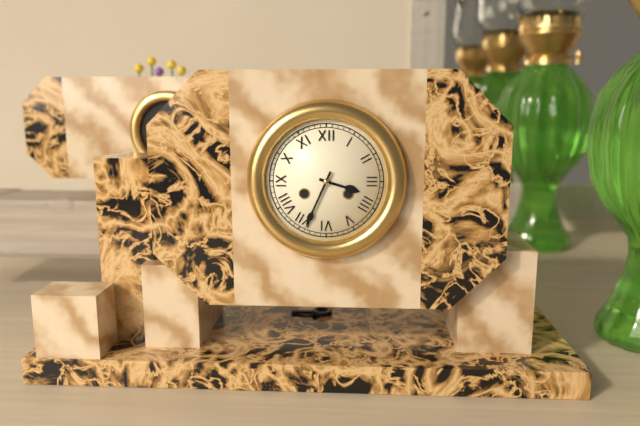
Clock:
3:34
